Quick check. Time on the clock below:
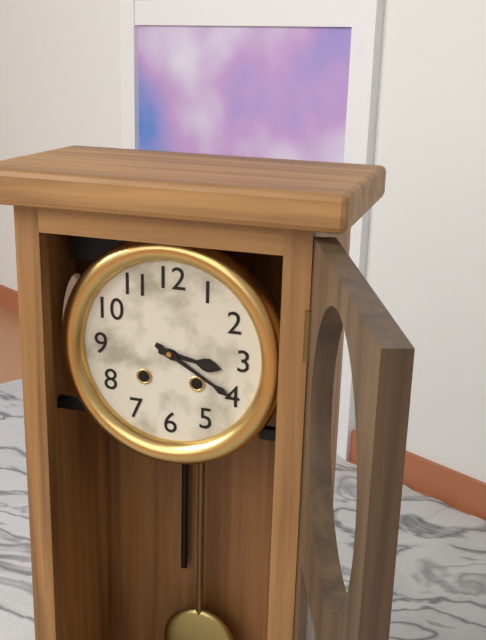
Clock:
3:20
